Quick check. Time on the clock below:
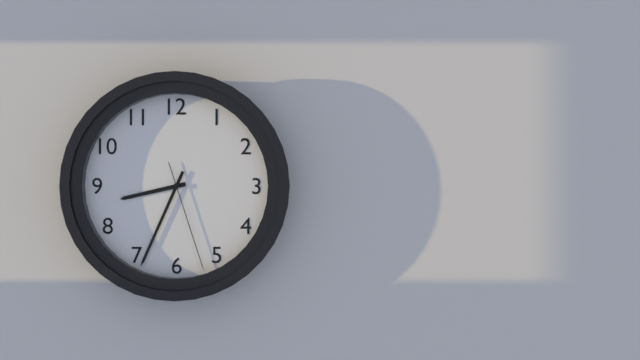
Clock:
8:34:27
